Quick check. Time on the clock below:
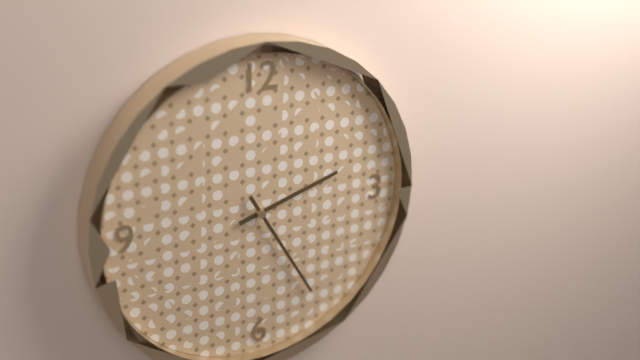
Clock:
2:25
